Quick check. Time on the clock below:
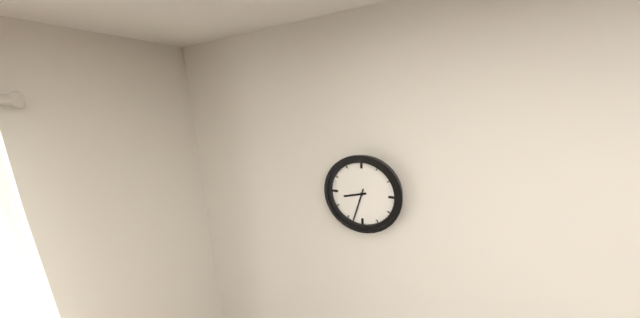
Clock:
8:33
